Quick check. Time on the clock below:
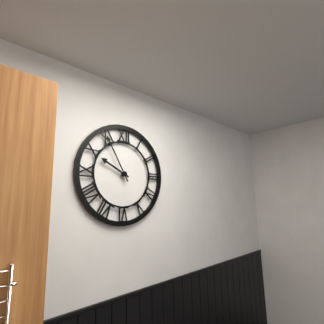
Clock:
9:55
